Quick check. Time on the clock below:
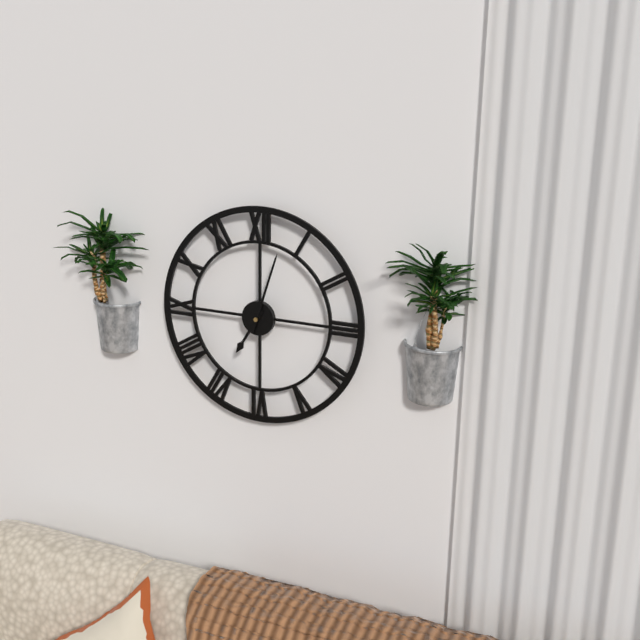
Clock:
7:03
